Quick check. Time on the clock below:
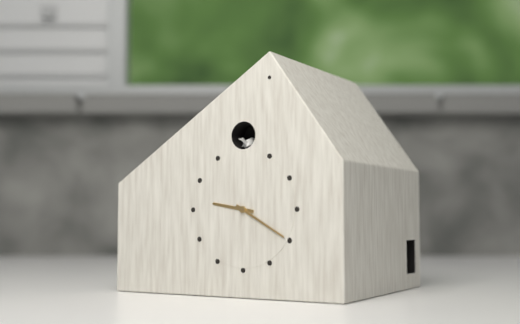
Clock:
9:20
